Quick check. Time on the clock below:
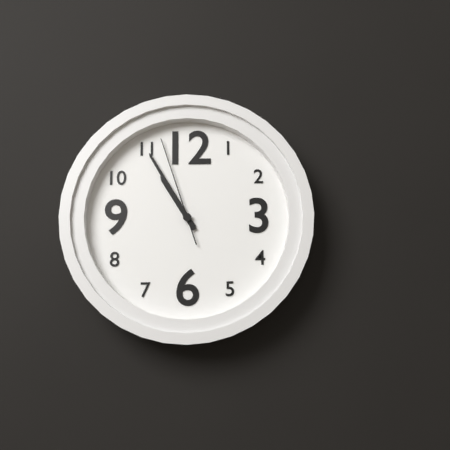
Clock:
10:55:57
